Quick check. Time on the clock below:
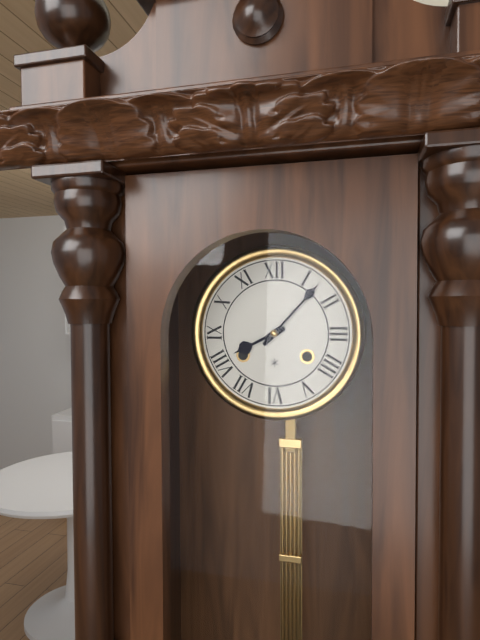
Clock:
8:07
